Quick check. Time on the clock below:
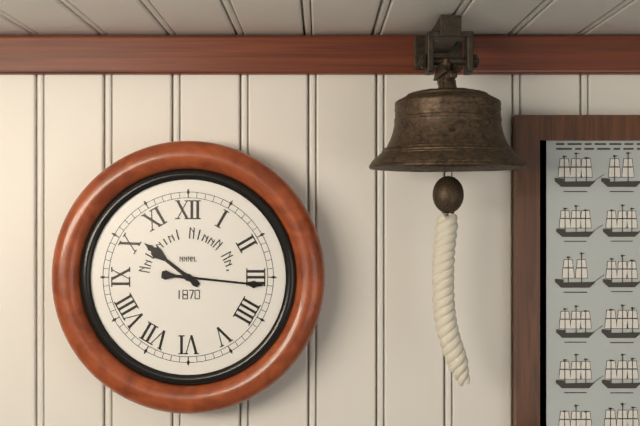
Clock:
10:16
